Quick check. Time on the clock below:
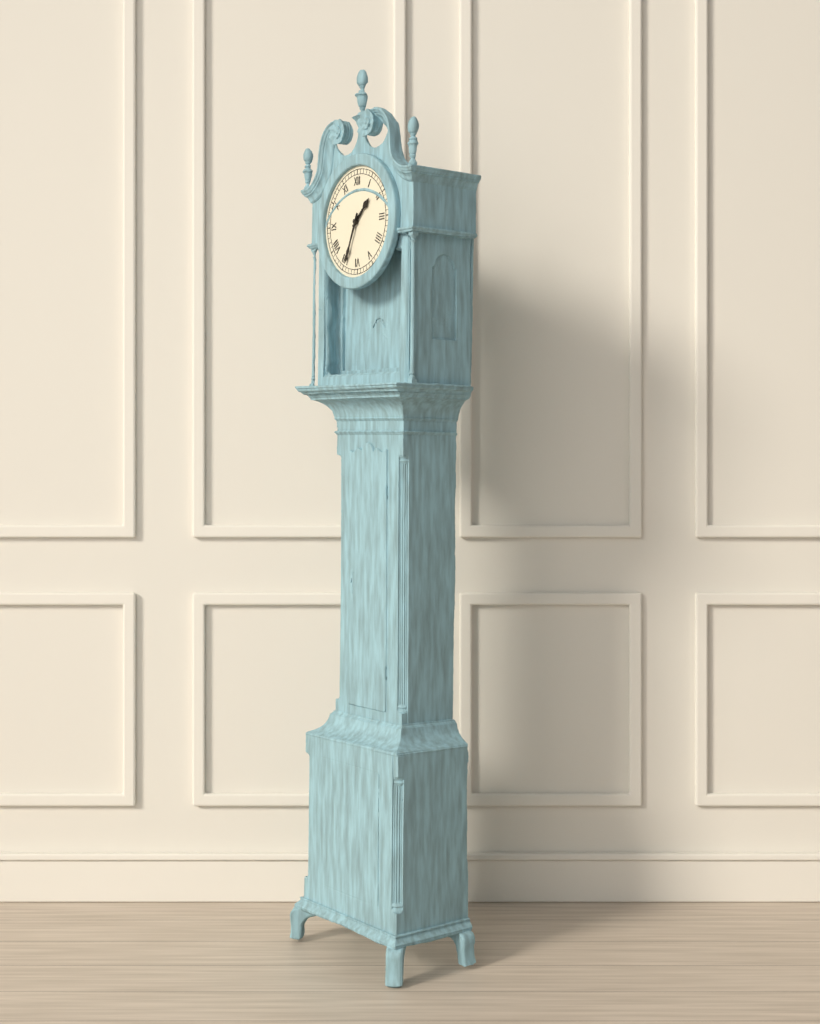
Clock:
1:34
